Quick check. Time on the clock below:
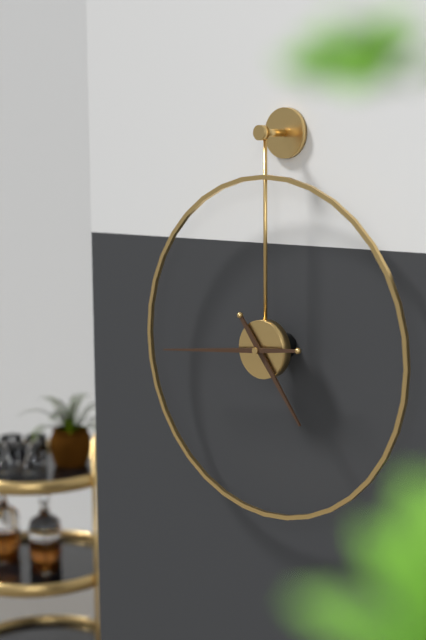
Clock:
4:44
